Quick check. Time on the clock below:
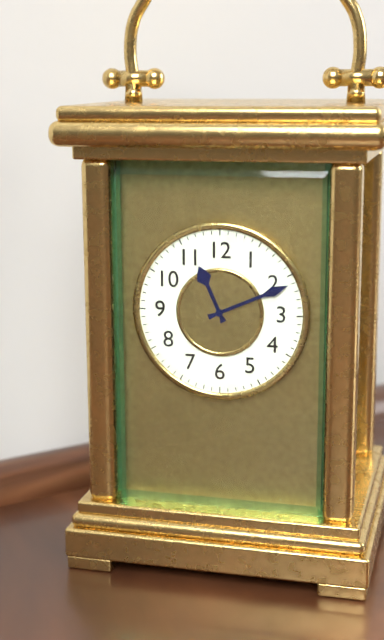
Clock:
11:11
